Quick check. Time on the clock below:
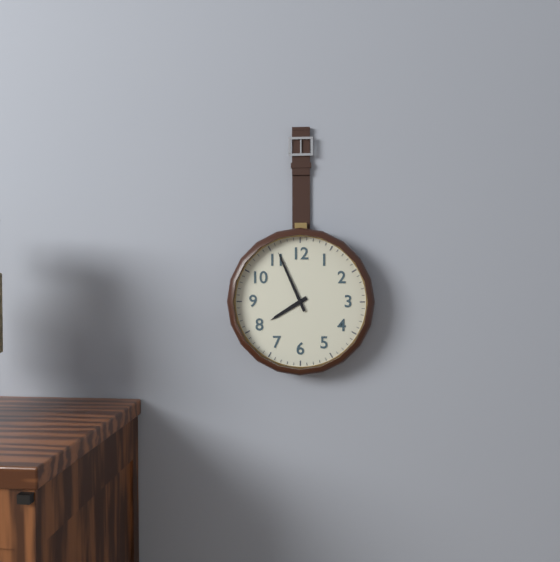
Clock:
7:56
